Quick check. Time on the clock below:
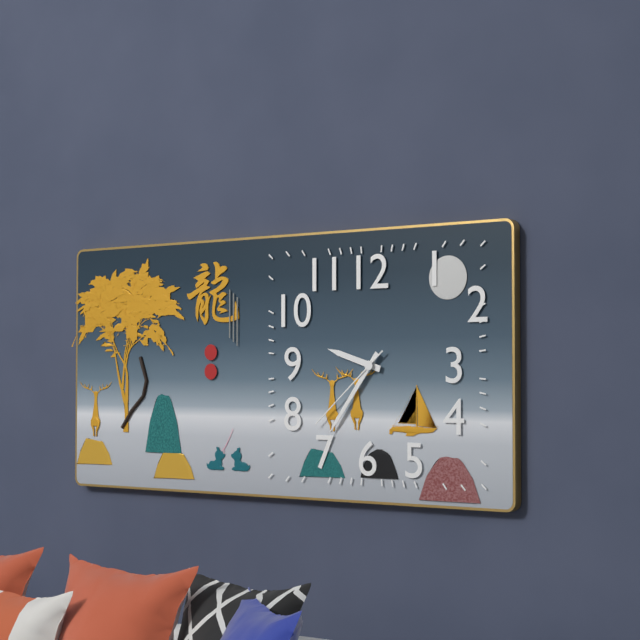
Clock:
9:36:38
